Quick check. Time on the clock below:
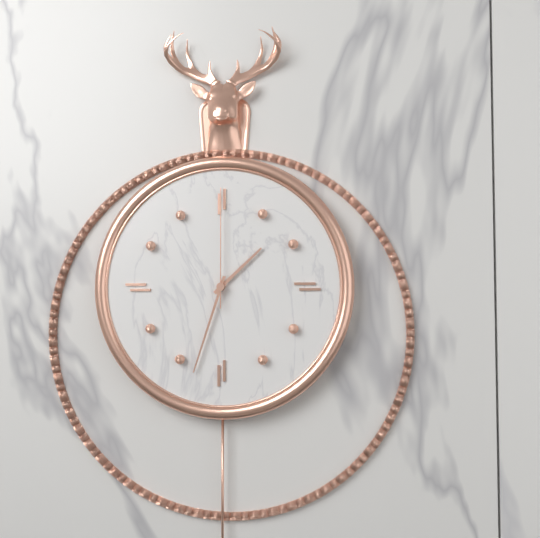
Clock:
1:33:00
